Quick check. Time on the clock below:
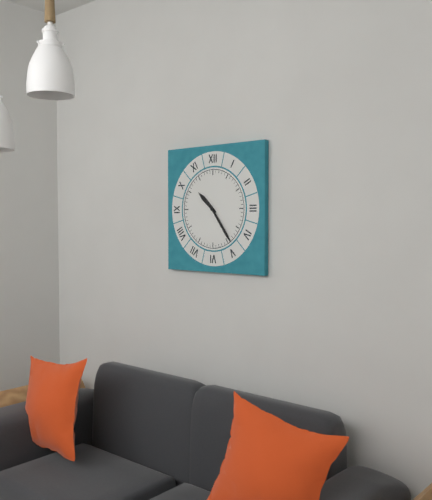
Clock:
10:24
